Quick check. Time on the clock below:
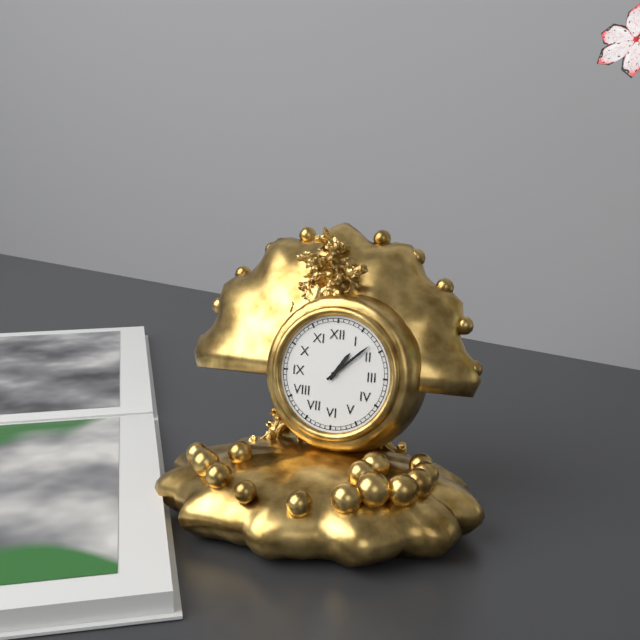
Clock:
1:08
